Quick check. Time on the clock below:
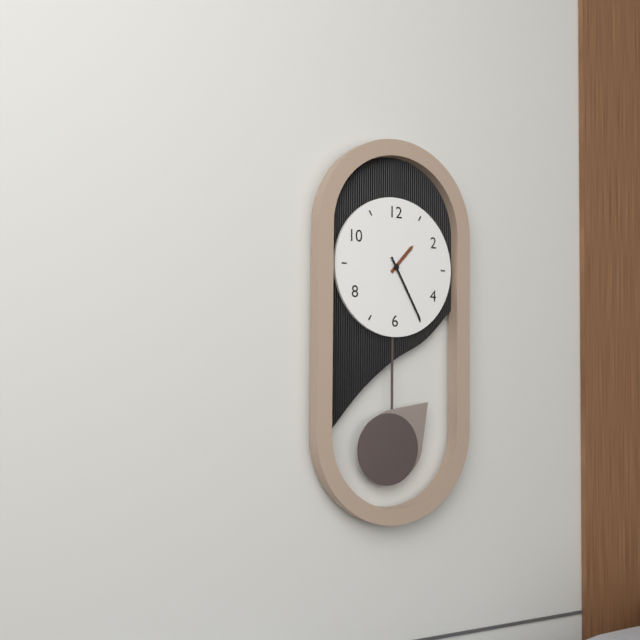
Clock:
1:25
